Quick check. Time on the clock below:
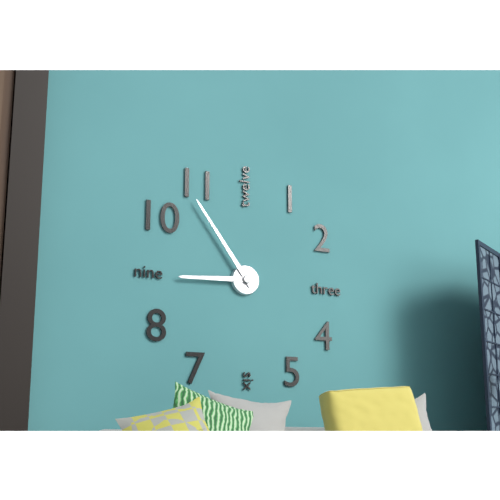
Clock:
8:54
